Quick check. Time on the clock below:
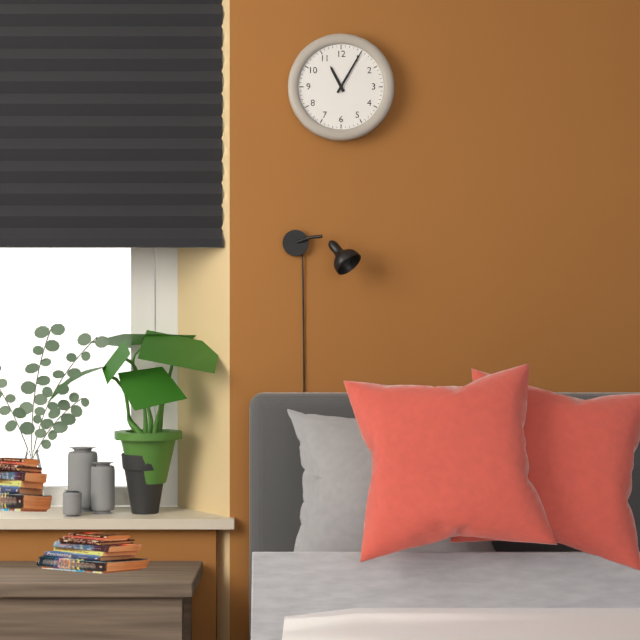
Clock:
11:05
